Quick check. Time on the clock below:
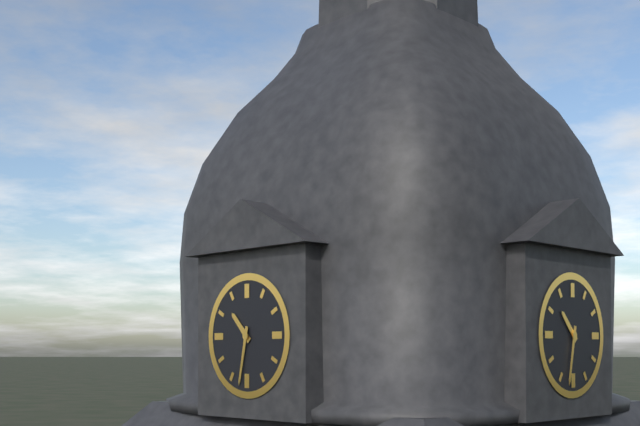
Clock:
10:32
